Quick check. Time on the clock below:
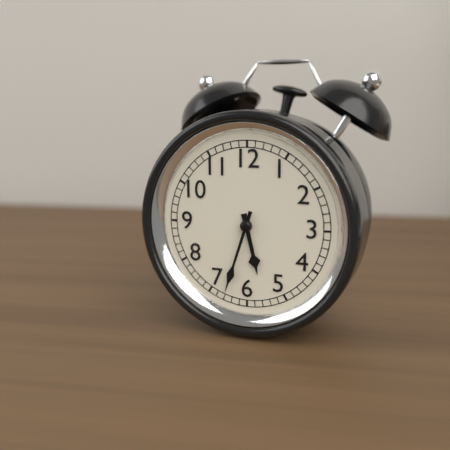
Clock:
5:33
